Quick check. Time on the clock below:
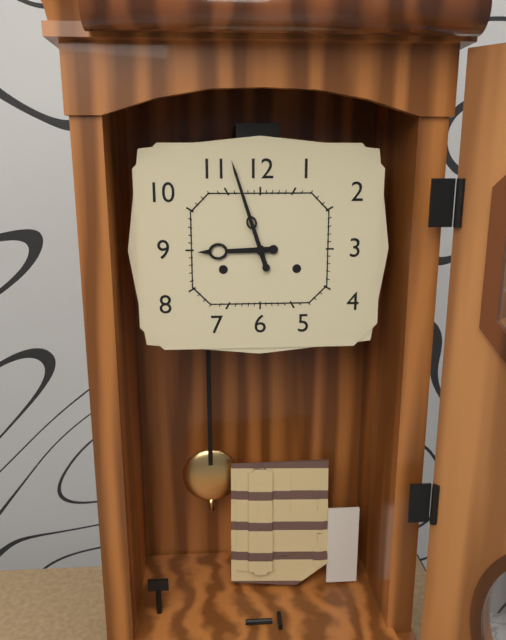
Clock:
8:57
